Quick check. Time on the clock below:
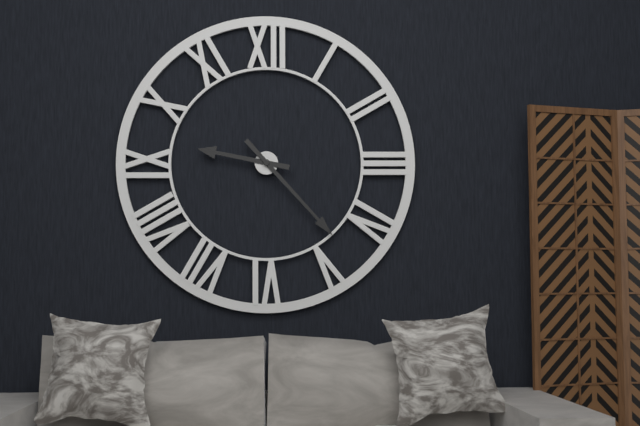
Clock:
9:23
